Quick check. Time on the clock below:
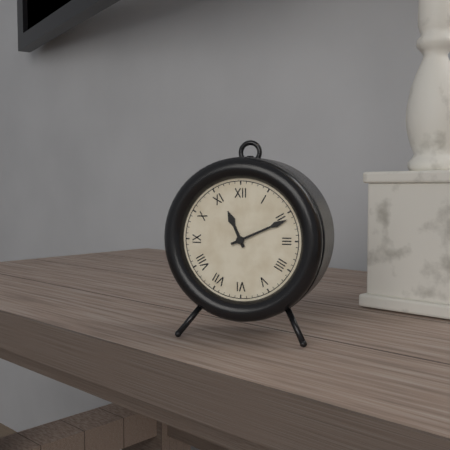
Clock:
11:11
